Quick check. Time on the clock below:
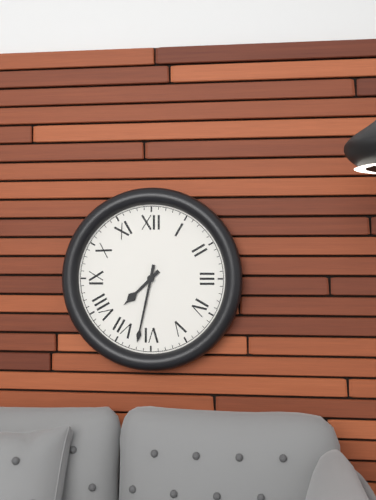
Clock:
7:32
